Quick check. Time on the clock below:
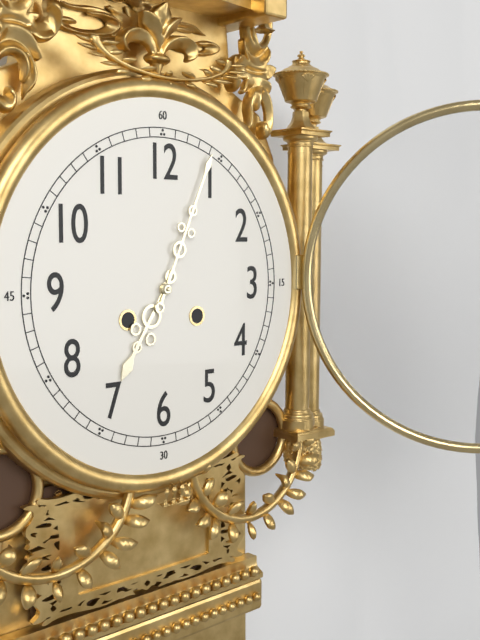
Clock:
7:04
